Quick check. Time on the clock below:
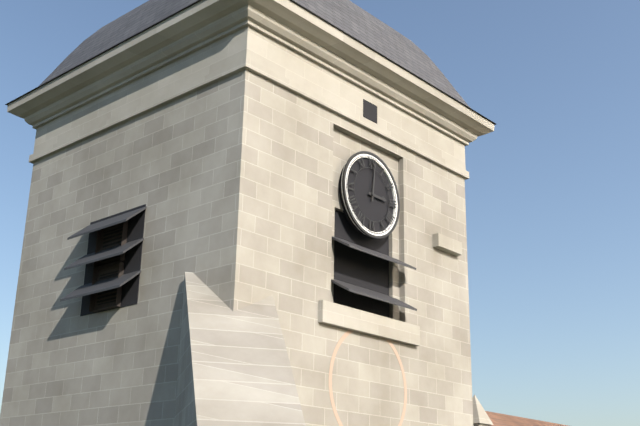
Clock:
3:01
